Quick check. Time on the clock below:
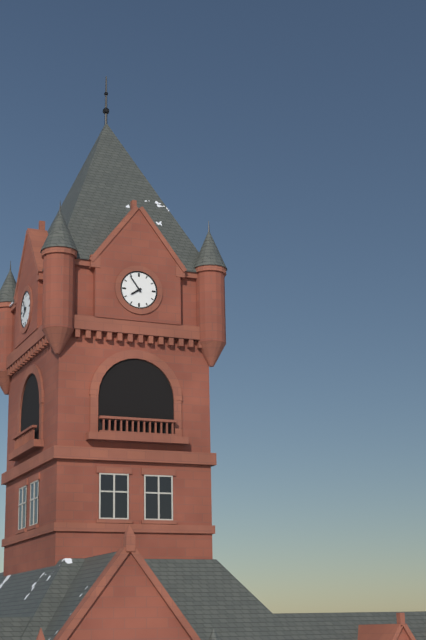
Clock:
7:54
